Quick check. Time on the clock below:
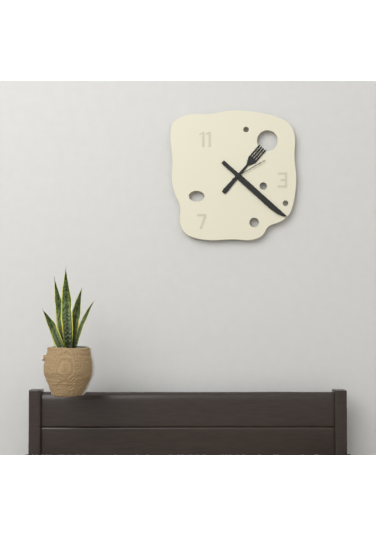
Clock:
1:22
